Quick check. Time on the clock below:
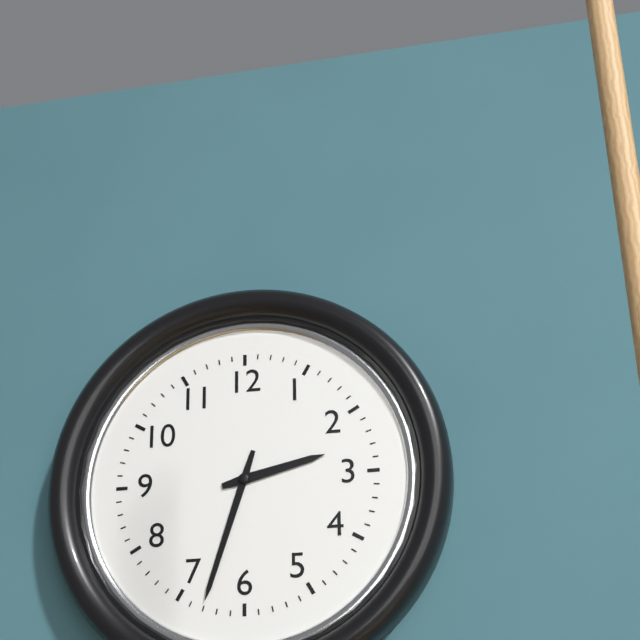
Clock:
2:33
